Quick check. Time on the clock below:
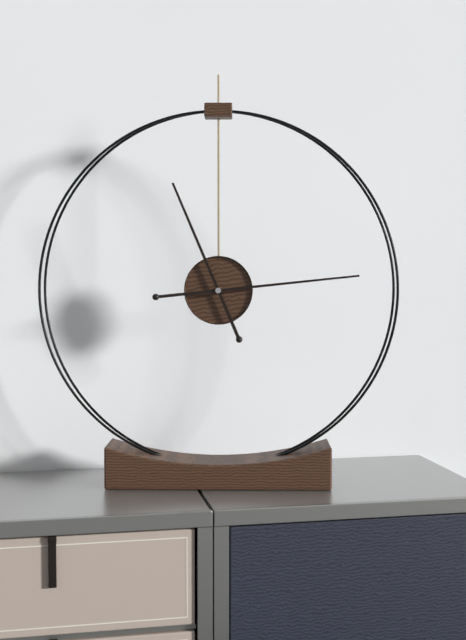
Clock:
11:14
